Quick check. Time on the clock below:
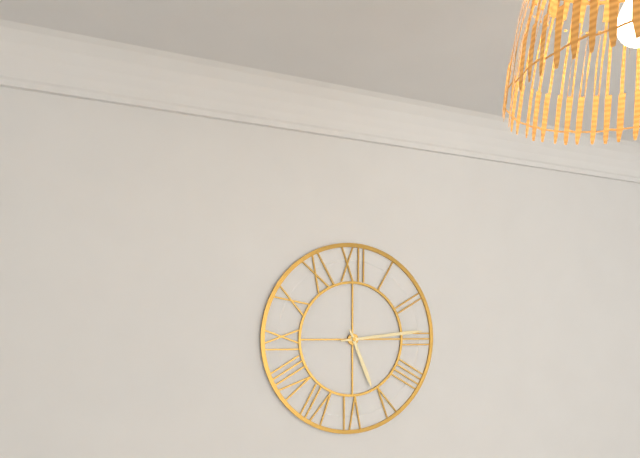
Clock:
5:14
